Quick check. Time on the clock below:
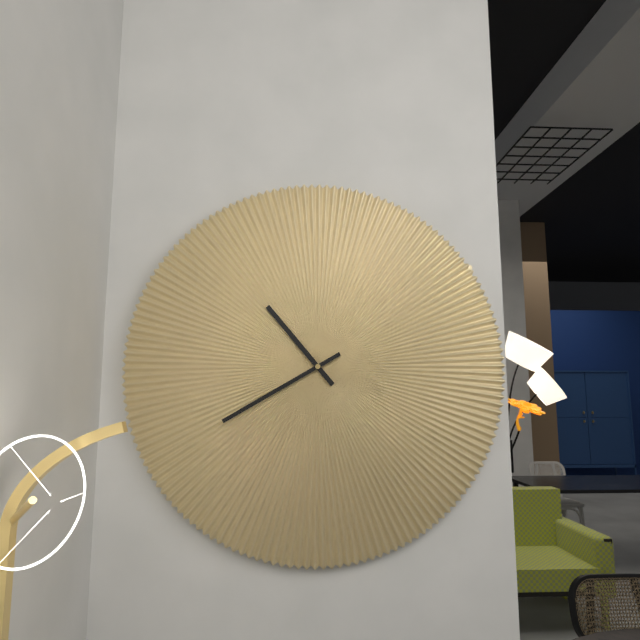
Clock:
10:40
